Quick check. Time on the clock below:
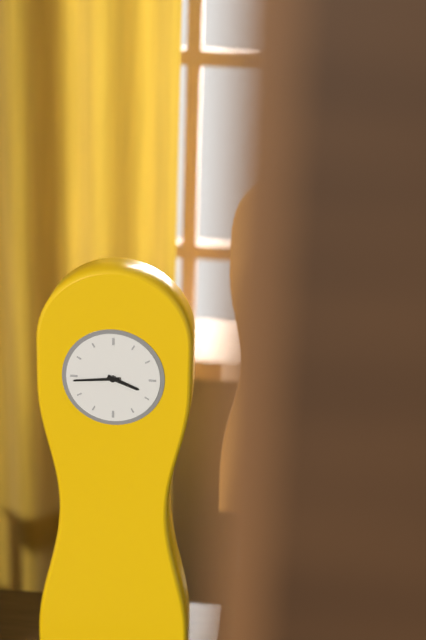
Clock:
3:44
